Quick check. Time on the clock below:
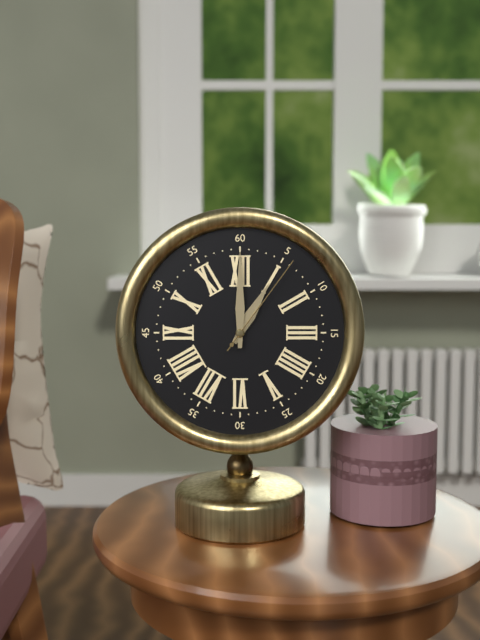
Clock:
1:00:06
